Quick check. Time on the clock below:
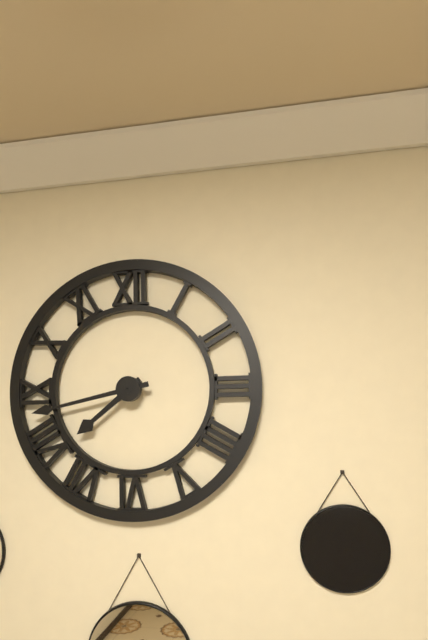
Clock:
7:43
